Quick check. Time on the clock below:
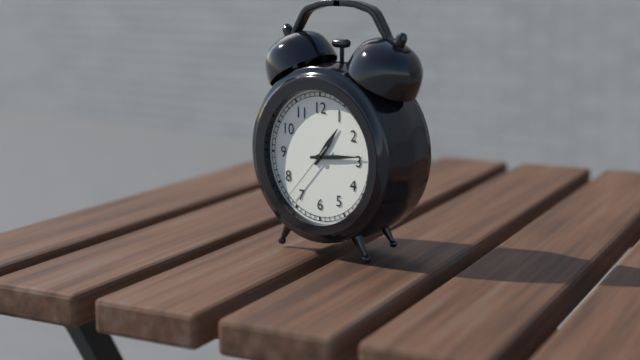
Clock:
1:14:37
